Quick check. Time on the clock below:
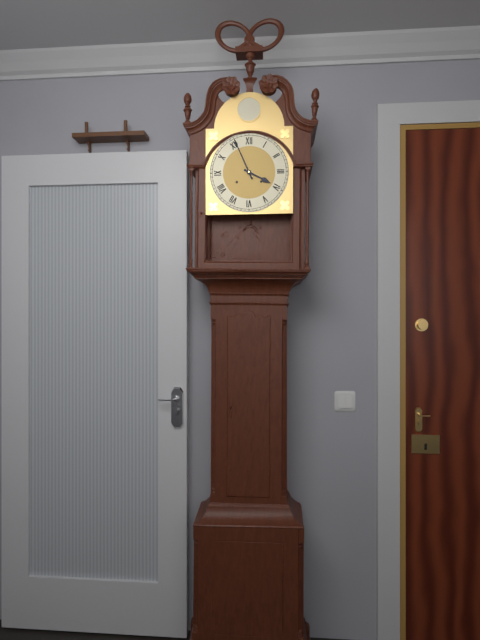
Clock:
3:56
